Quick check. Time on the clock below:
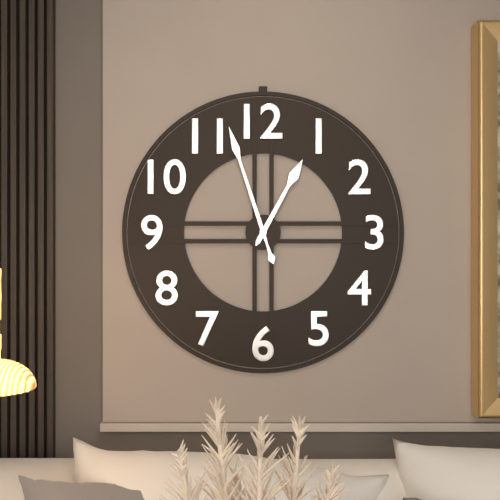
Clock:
12:57
